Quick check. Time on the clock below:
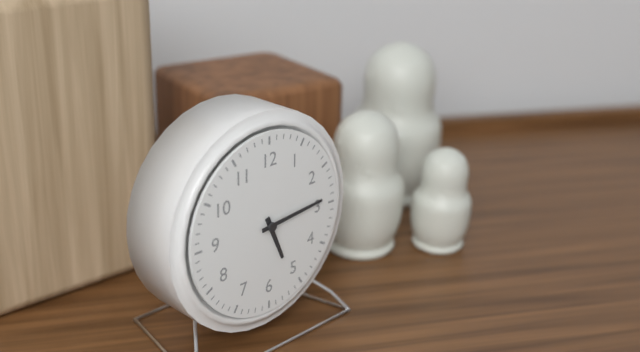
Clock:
5:14
